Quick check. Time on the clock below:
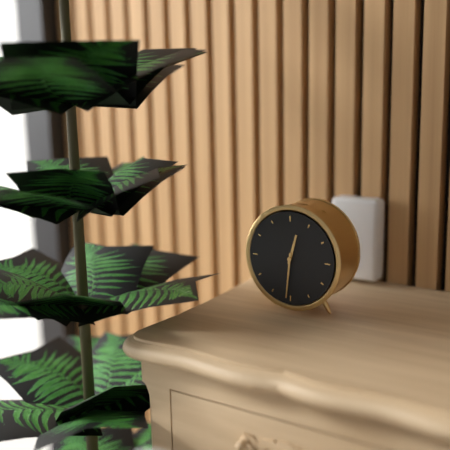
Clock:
12:31
